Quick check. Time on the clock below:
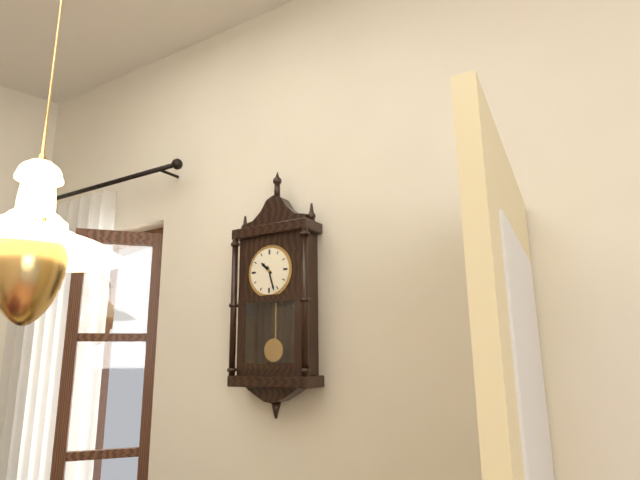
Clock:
10:27
